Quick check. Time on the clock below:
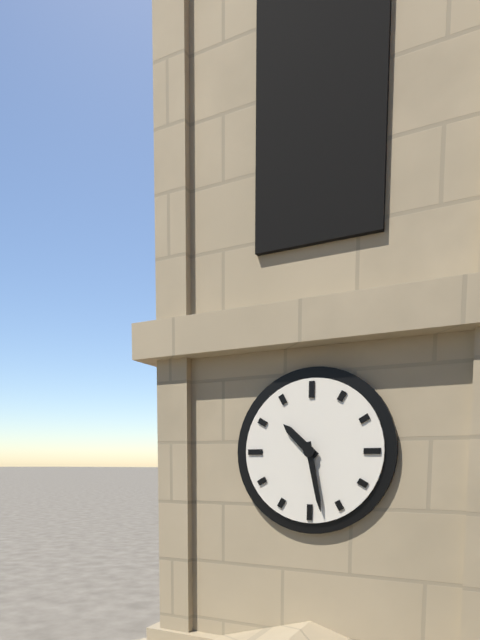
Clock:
10:28
